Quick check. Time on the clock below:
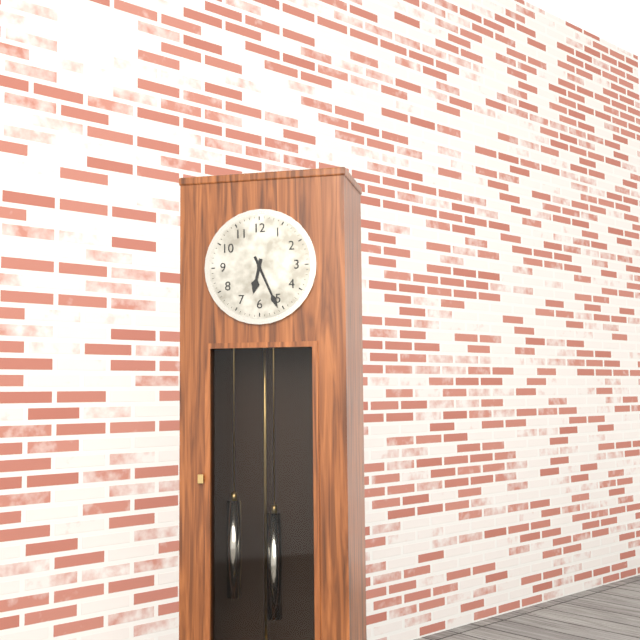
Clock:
6:26
